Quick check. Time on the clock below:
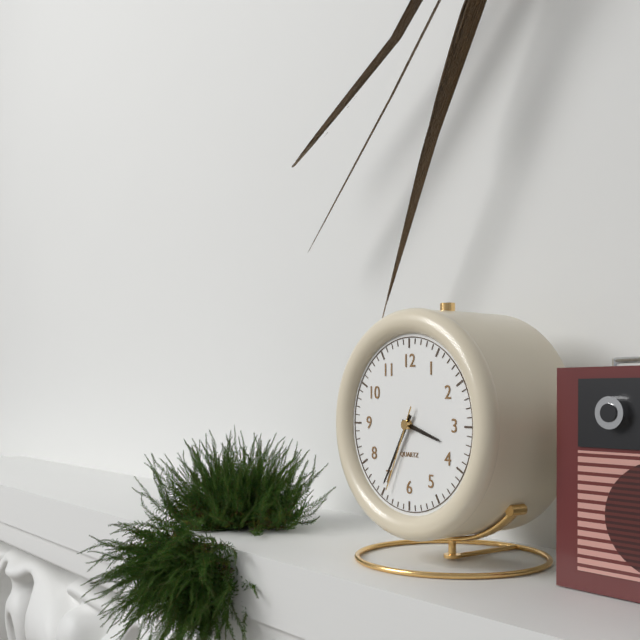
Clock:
3:35:34
